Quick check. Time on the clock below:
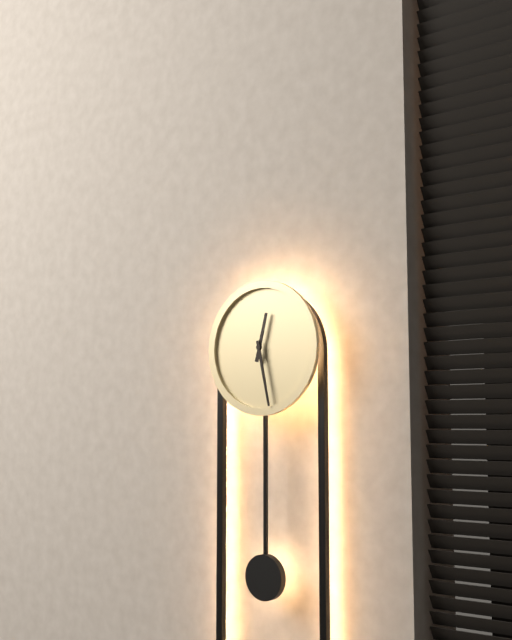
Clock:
12:28
